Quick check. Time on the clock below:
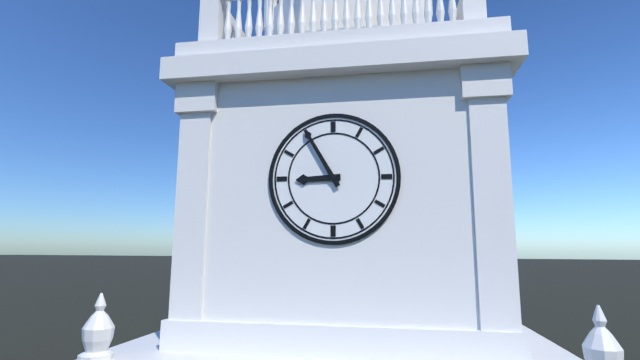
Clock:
8:55
